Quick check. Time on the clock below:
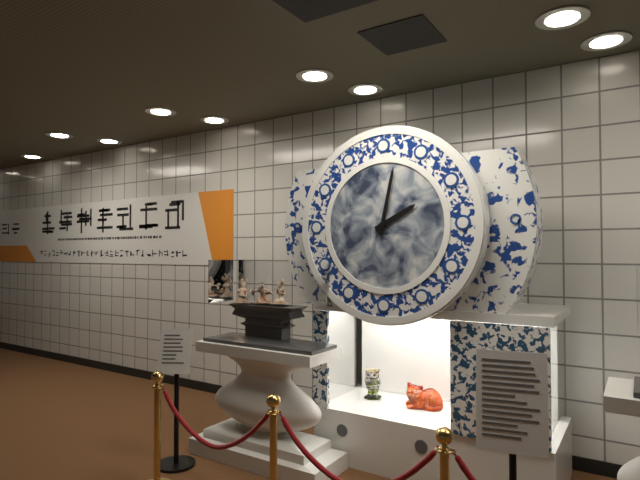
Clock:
2:02
